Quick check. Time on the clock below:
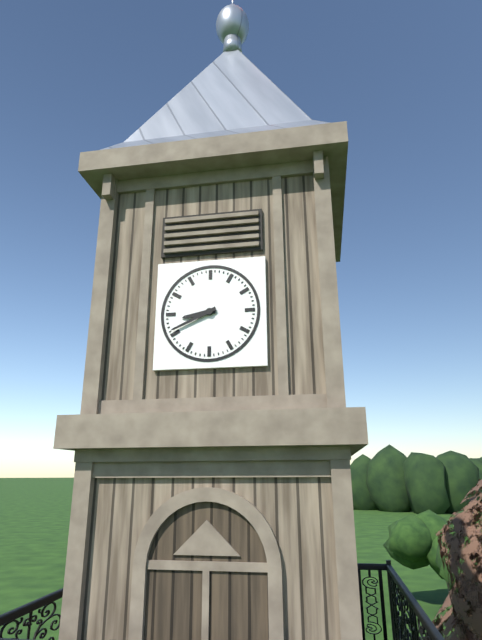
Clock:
8:41
